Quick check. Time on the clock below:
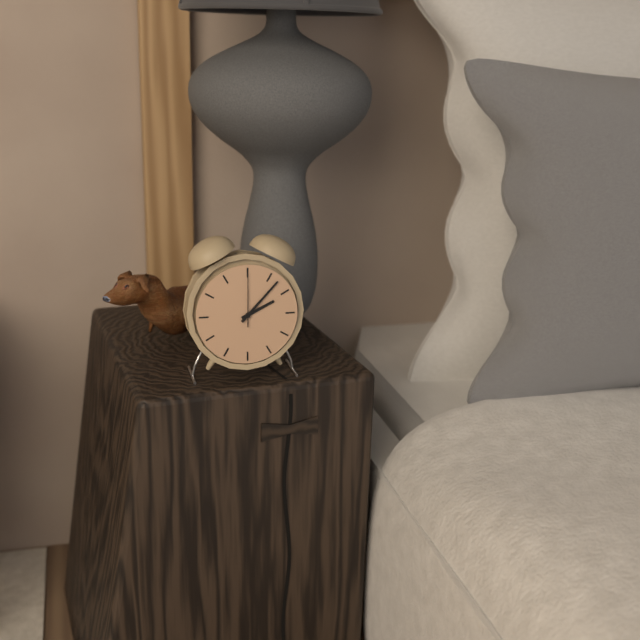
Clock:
2:07:00
